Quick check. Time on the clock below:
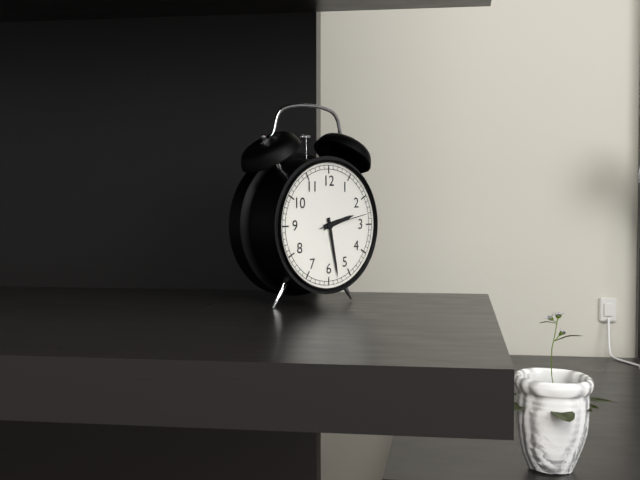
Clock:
2:28:13
